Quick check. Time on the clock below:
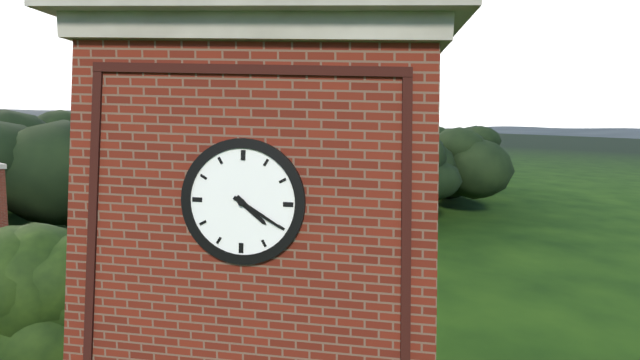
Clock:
4:20
